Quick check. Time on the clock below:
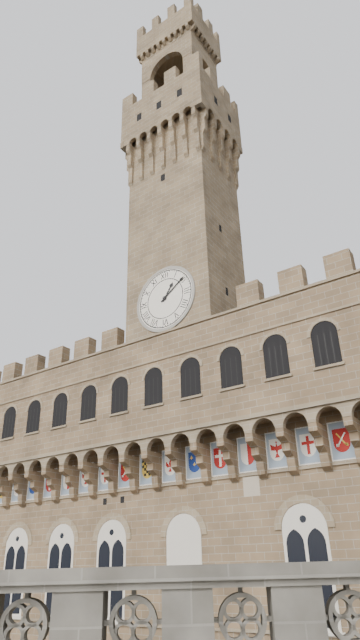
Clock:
1:09
